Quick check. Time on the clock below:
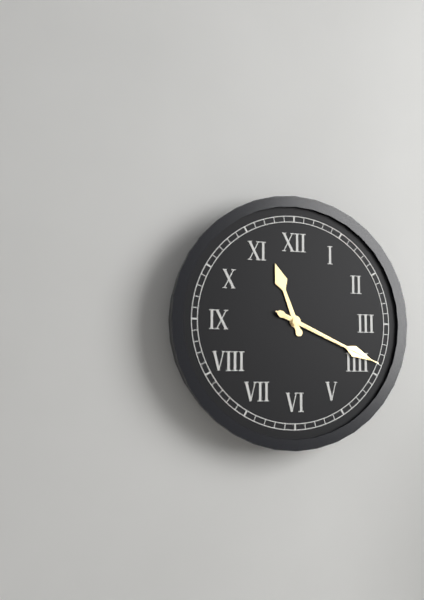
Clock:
11:19:19
